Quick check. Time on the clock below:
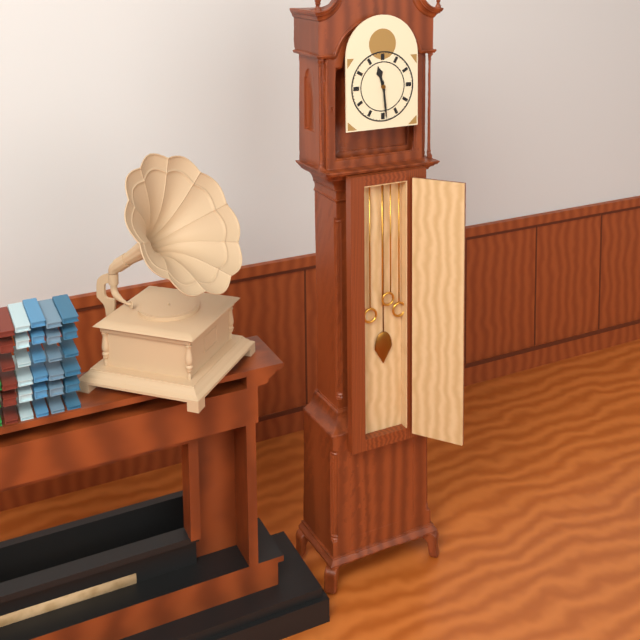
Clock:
11:29
